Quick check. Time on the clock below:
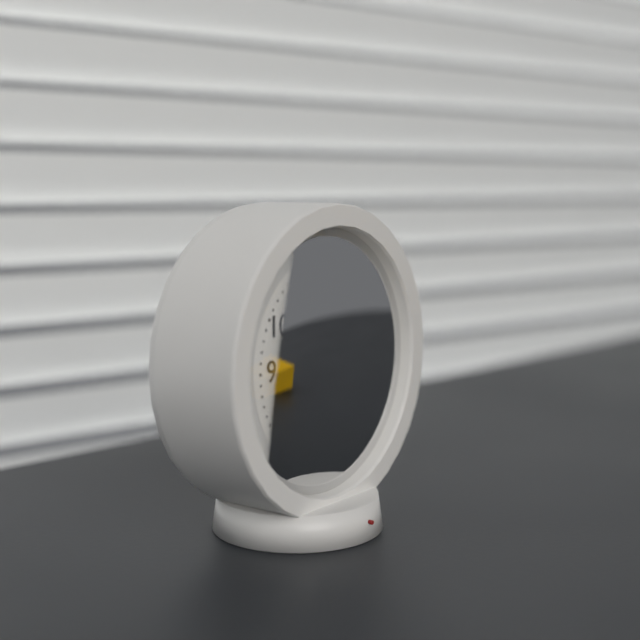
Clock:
9:04:53
